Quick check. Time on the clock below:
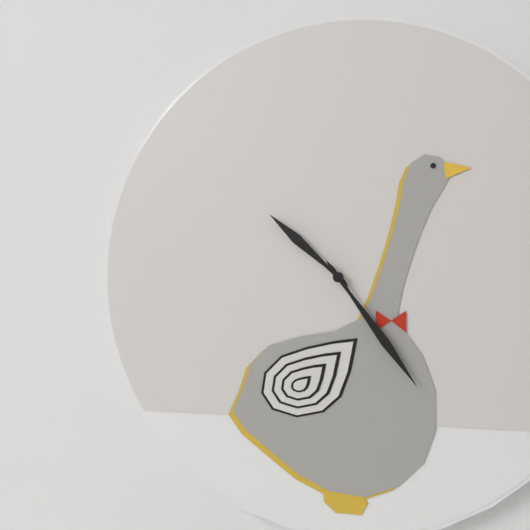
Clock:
10:24
